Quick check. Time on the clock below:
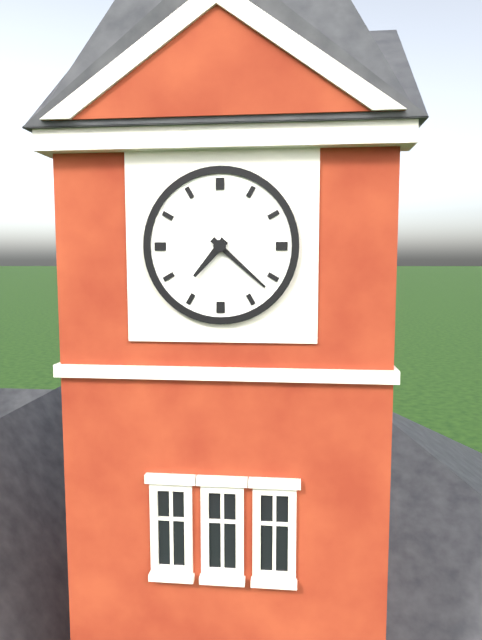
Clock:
7:22
